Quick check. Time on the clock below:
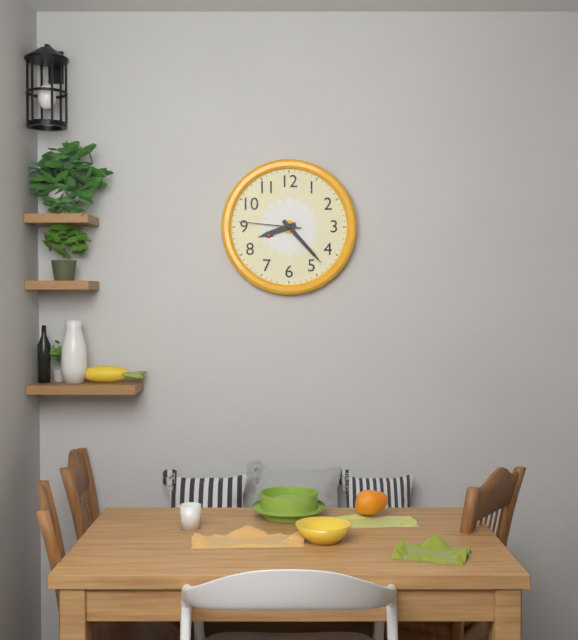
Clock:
8:23:46
